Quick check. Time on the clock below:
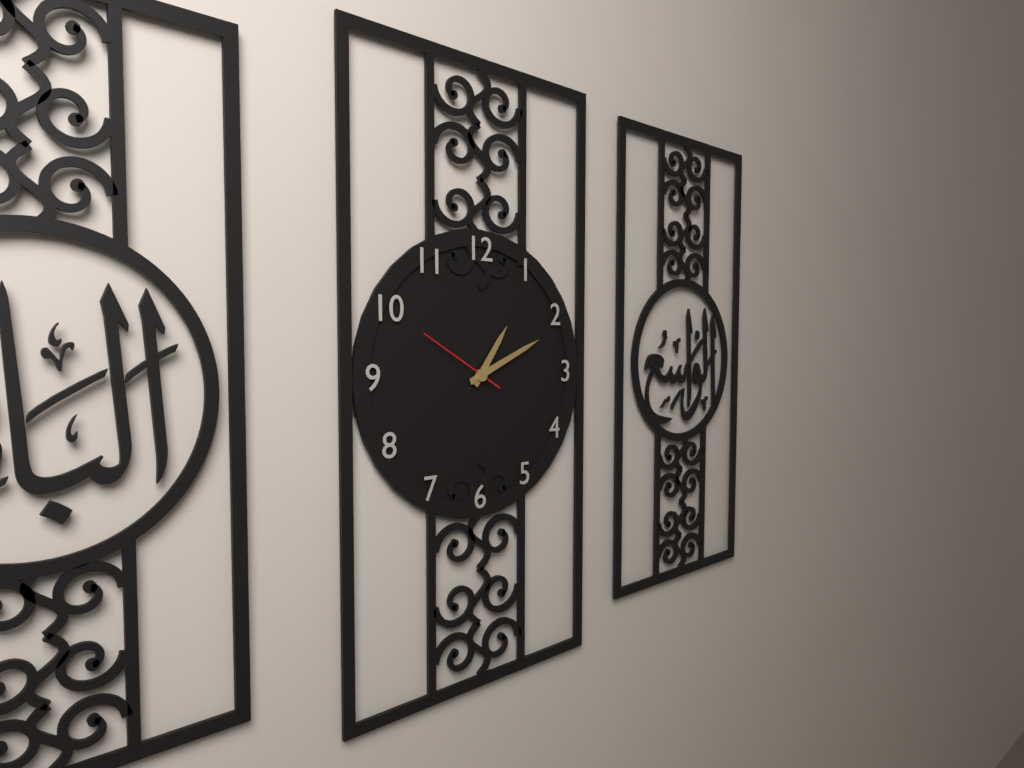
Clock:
1:11:50
